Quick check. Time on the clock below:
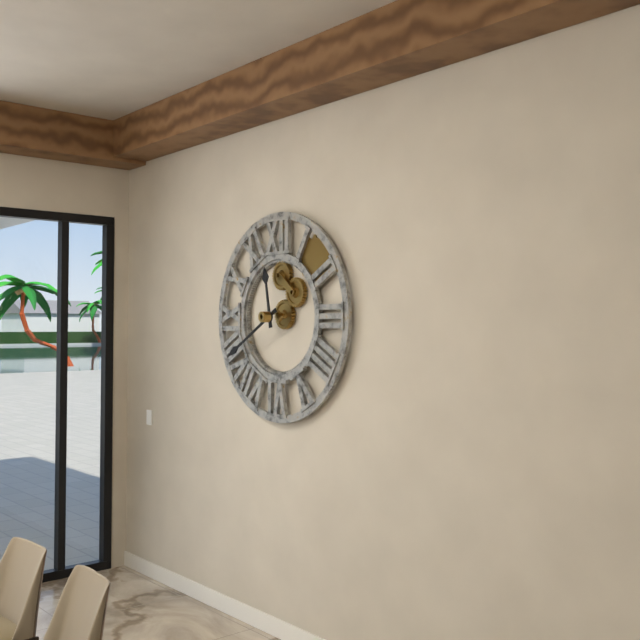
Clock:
11:40
